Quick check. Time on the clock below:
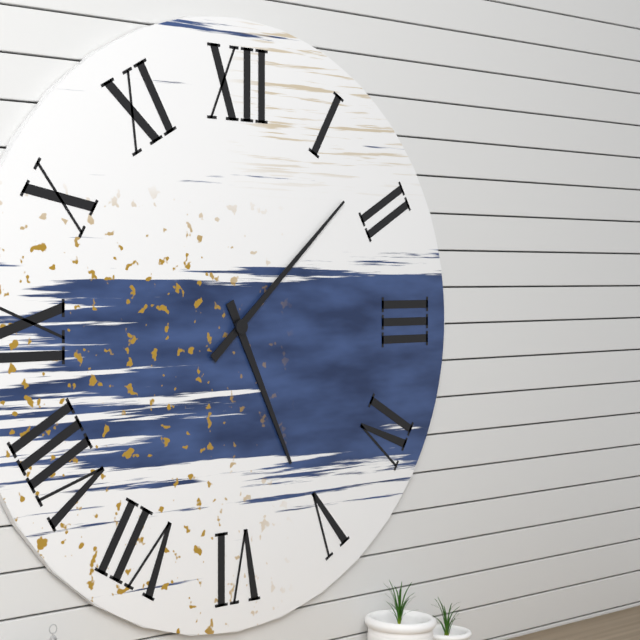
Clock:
5:08
